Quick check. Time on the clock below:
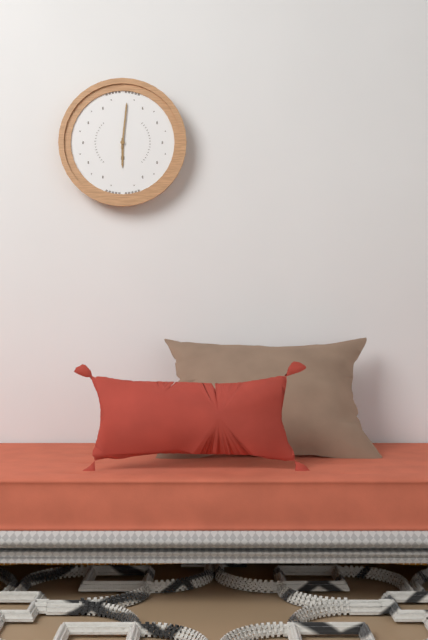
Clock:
6:01
